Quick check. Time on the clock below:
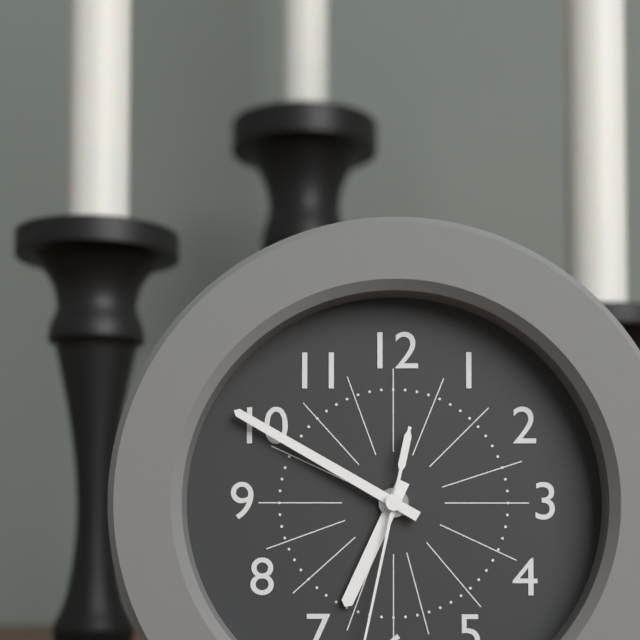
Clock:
6:50
